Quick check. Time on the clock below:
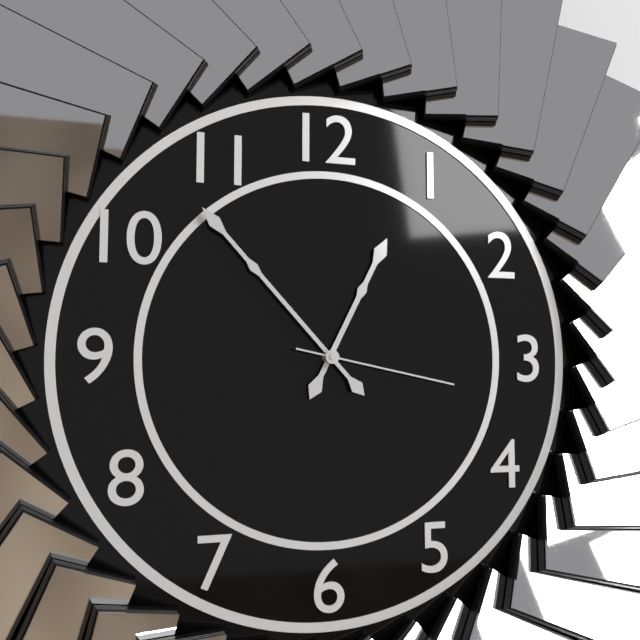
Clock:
12:53:17
